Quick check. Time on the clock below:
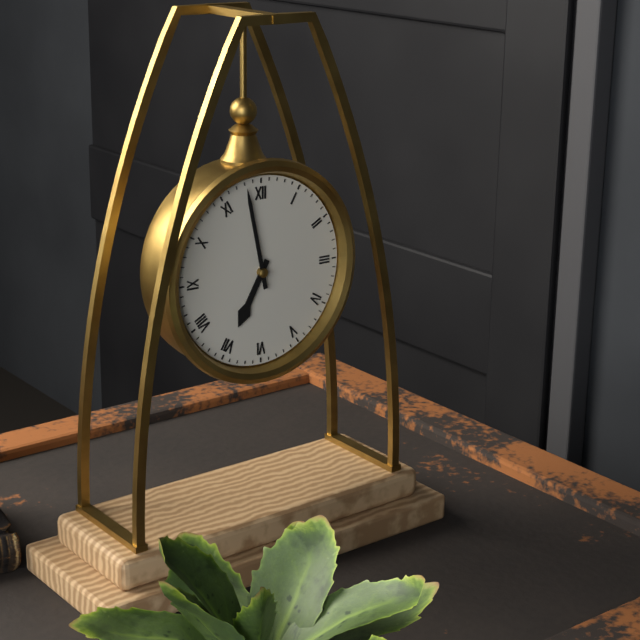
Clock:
6:58
